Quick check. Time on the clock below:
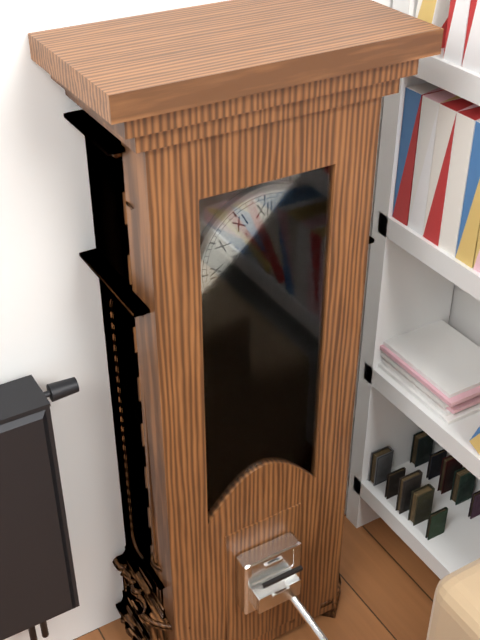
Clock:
9:37
